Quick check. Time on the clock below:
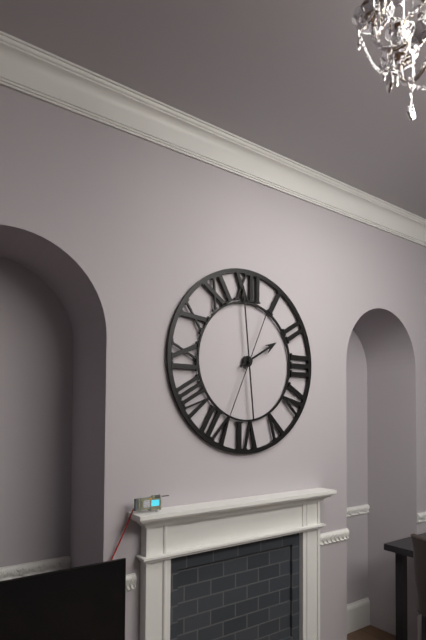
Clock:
1:59:34
